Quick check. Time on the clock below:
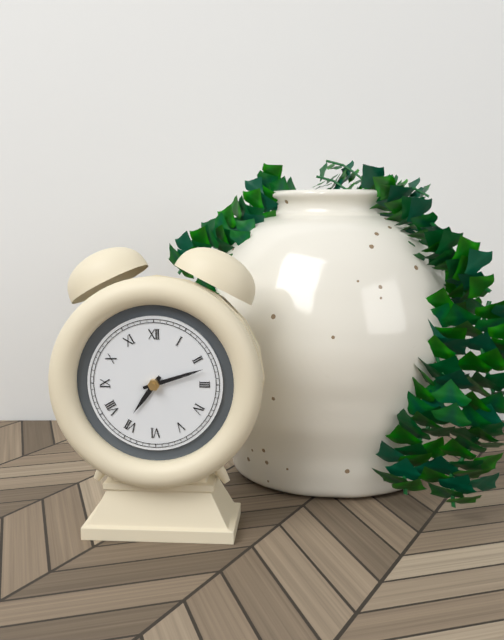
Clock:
7:12
